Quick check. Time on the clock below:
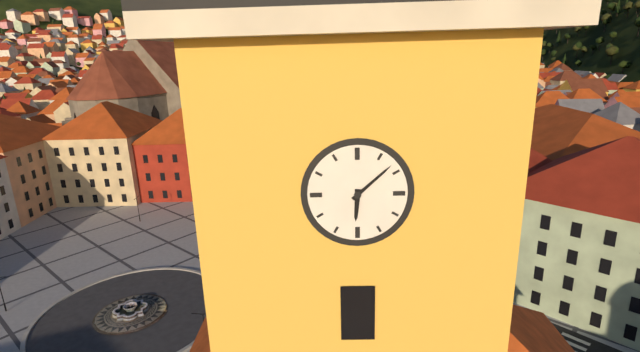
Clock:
6:08
